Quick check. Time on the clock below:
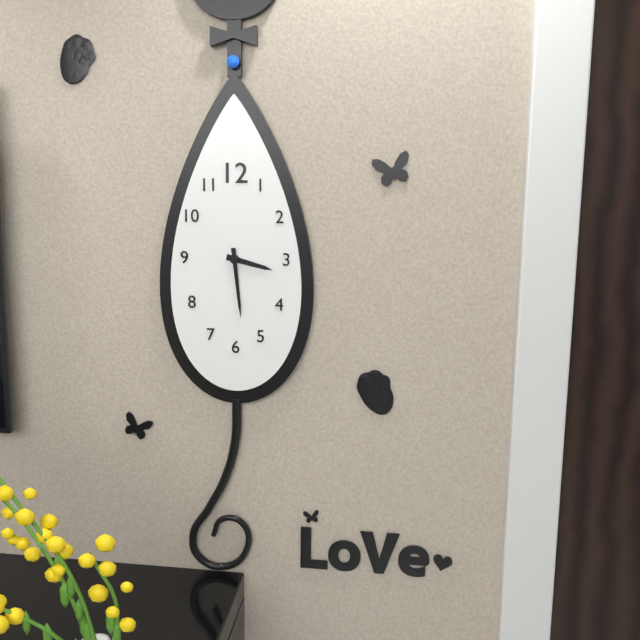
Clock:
3:29
